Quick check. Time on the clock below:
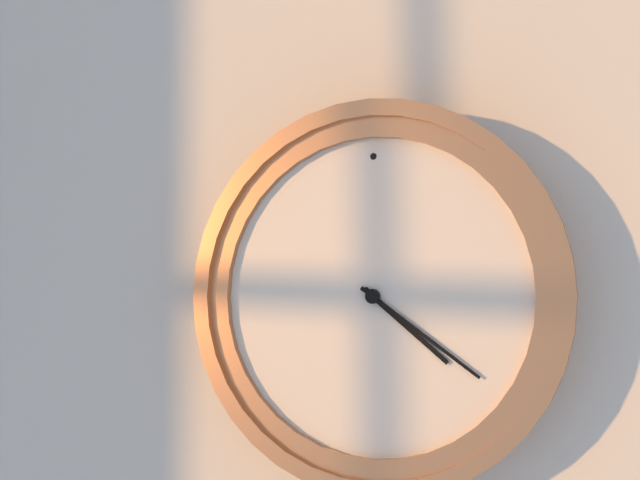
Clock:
4:21
